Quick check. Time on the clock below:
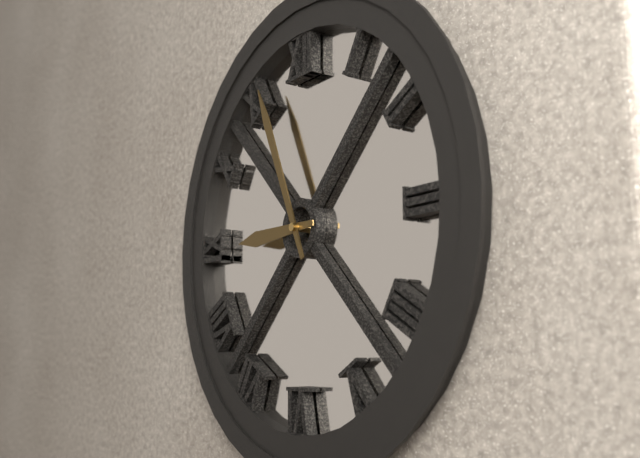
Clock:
8:56
